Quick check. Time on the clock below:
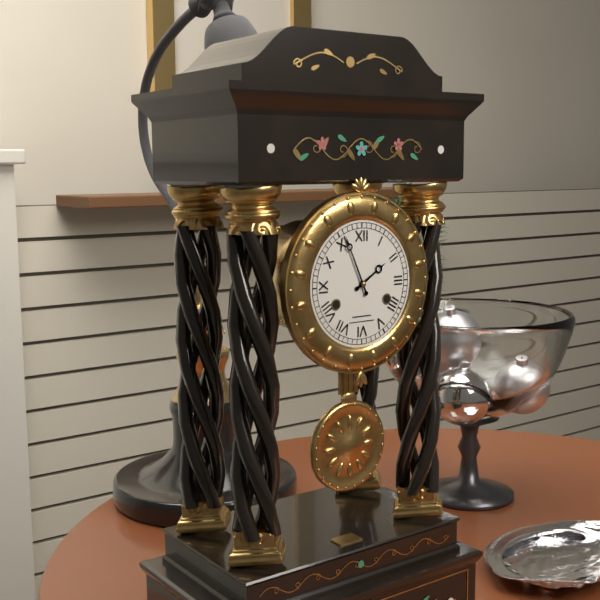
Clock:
1:56
